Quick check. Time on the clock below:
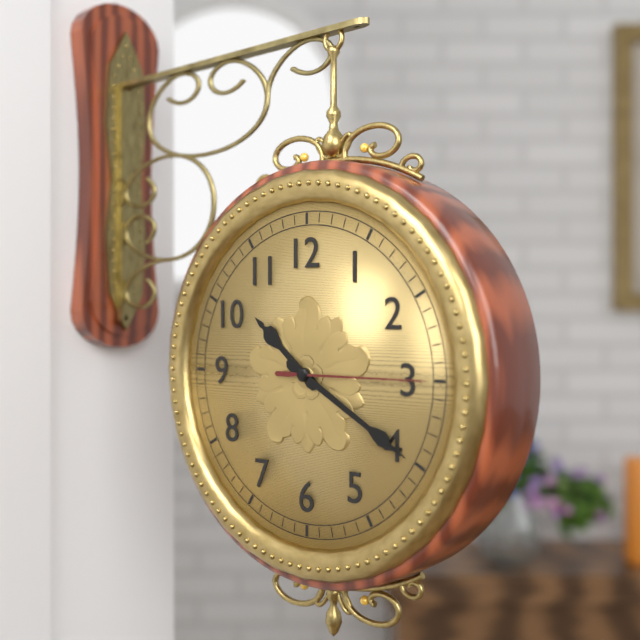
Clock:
10:20:15
